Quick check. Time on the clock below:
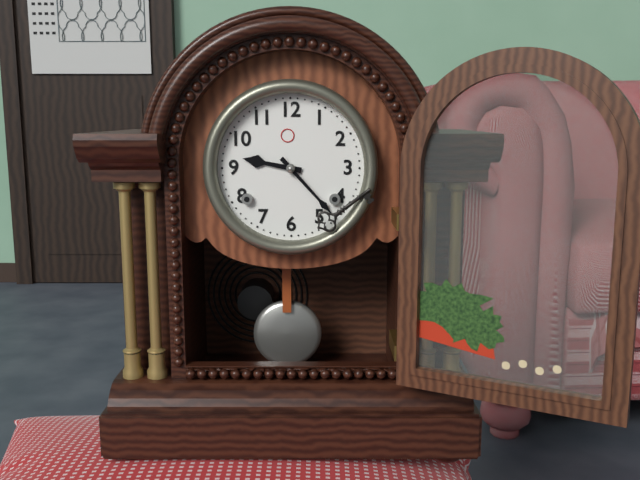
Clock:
9:23
